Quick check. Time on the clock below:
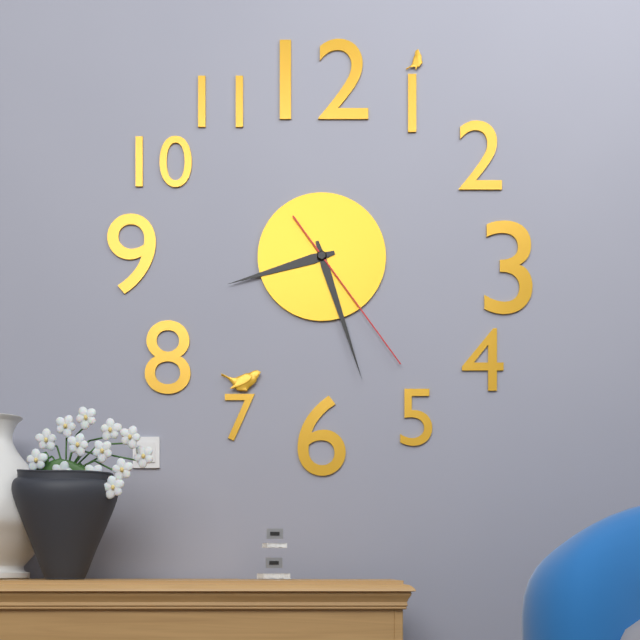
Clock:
8:27:24
